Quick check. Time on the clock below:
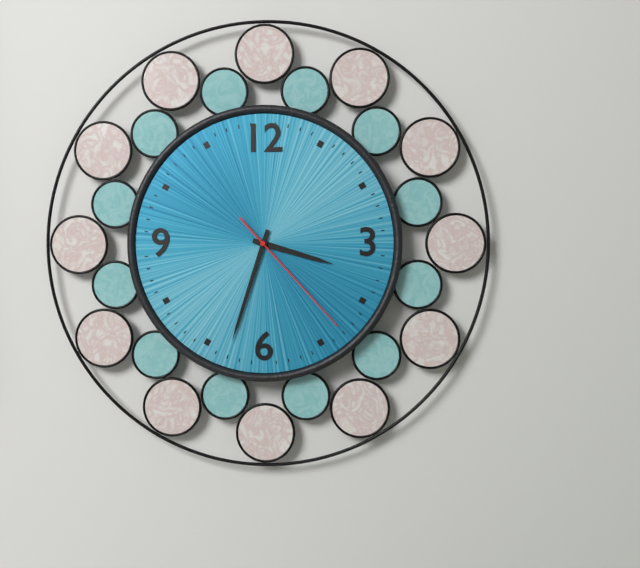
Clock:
3:33:23
